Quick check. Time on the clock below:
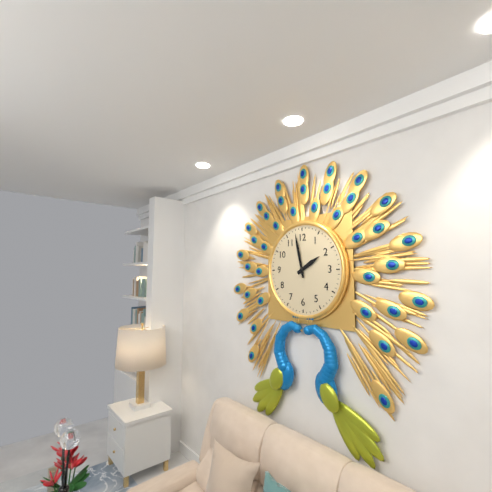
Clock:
1:58
